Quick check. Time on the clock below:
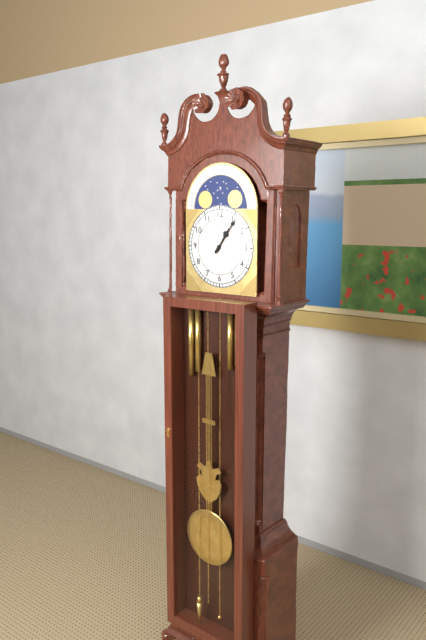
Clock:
1:06
